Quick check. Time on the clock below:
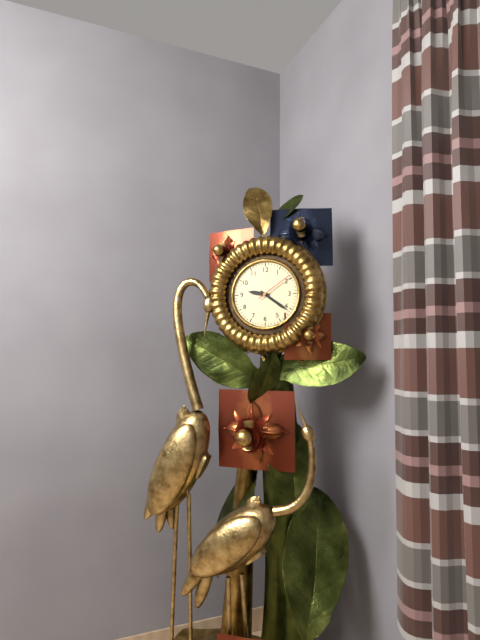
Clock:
9:21
